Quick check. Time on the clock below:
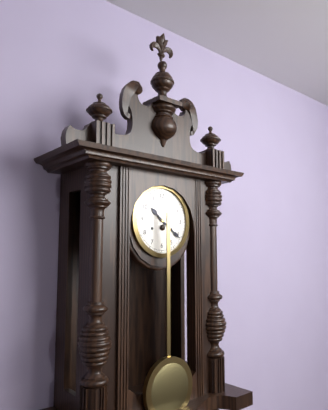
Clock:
10:21
